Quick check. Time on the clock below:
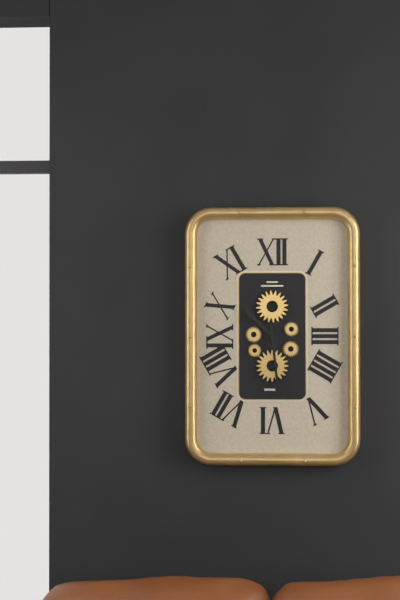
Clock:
10:29
